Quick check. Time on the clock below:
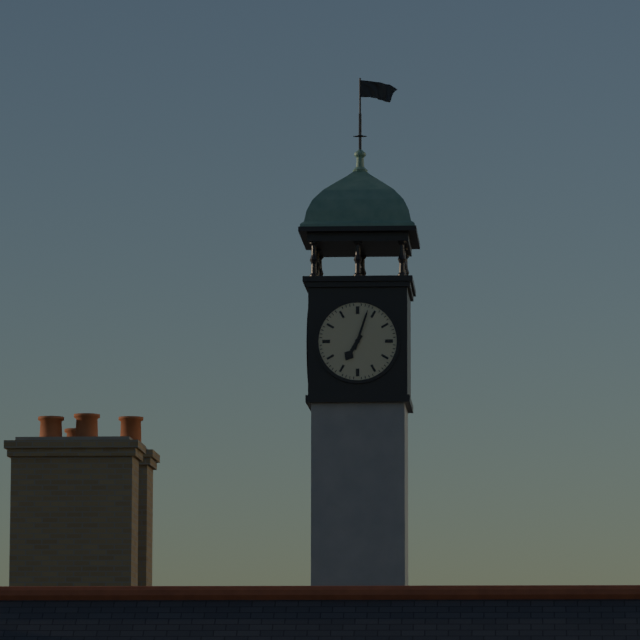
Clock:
7:03
